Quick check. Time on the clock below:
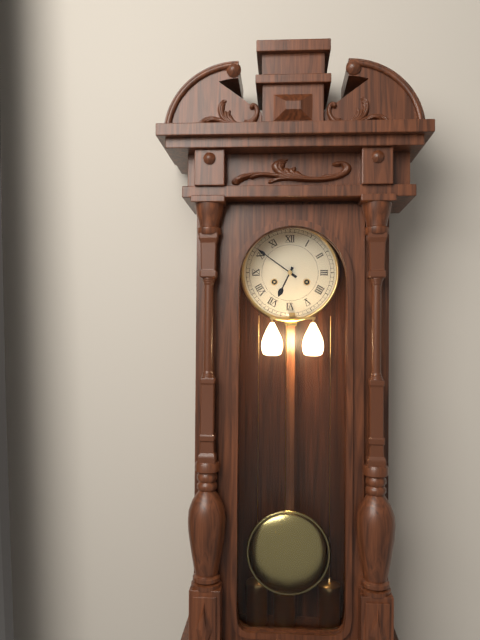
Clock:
6:51
